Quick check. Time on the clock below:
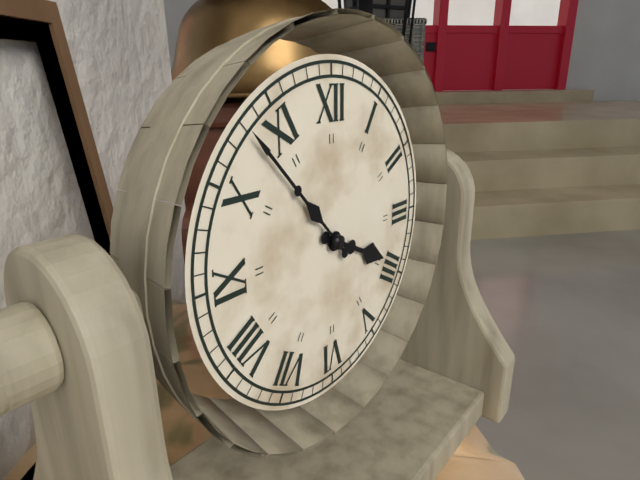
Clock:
3:53
